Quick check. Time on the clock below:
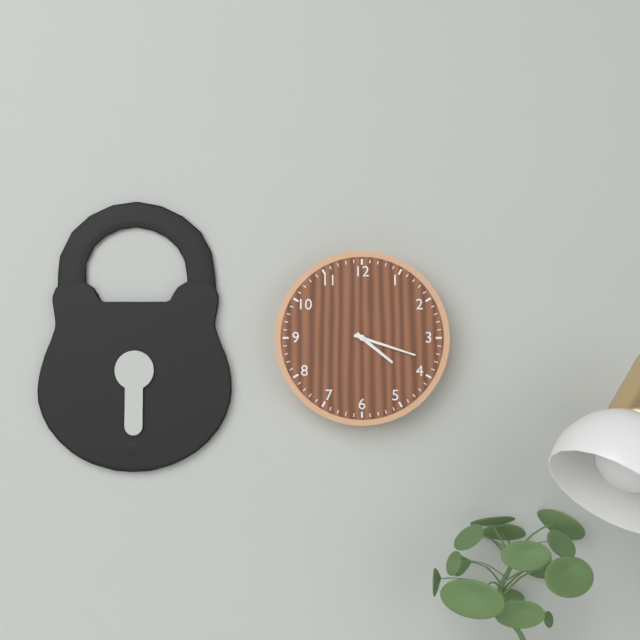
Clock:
4:18
